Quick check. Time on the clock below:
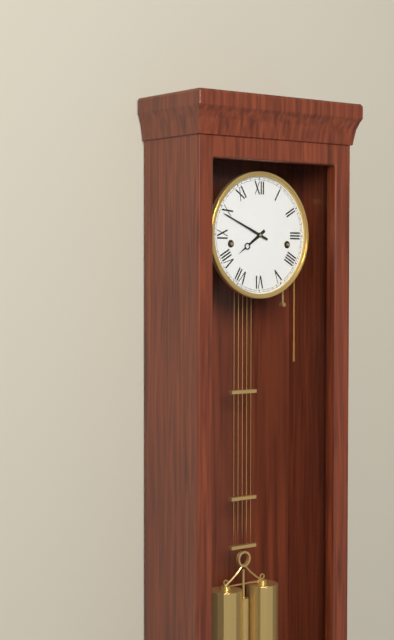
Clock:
7:49
